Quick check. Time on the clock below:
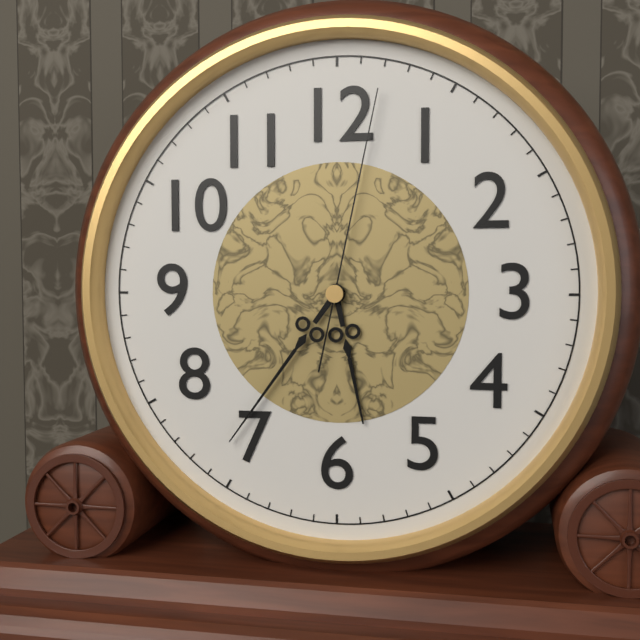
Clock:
5:36:02
